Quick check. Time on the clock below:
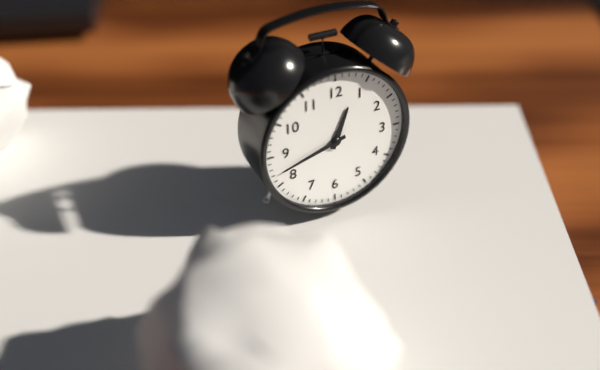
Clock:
12:42
